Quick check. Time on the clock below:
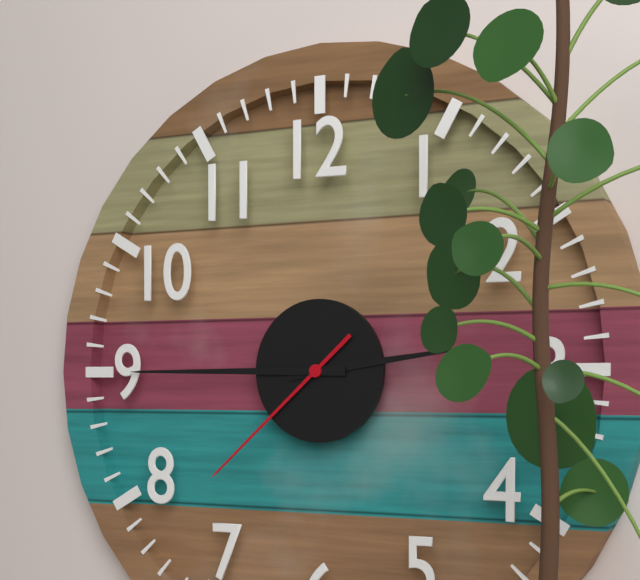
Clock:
2:45:38
